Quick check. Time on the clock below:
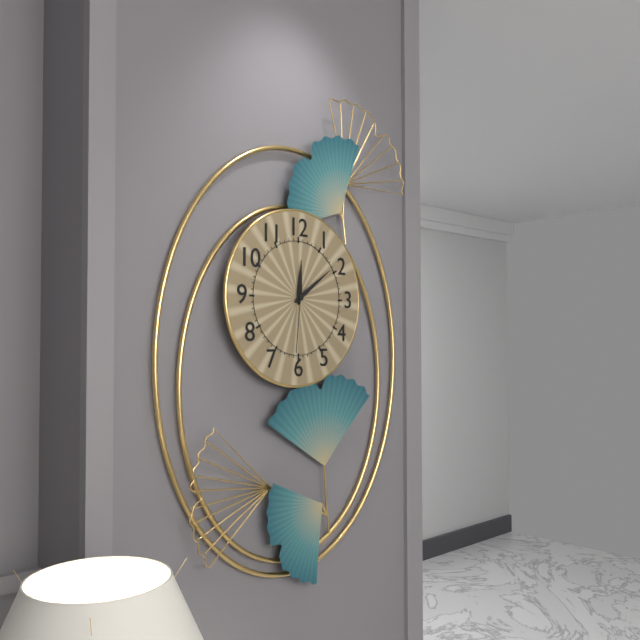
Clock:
12:09:31
